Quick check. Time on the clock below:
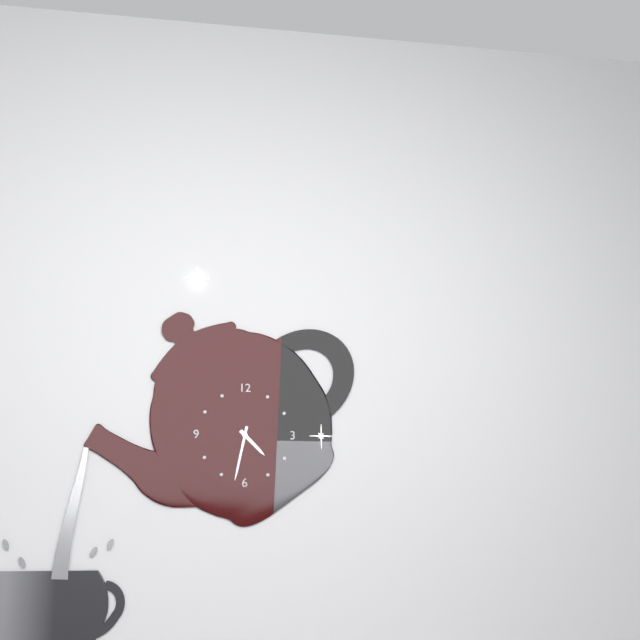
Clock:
4:32
